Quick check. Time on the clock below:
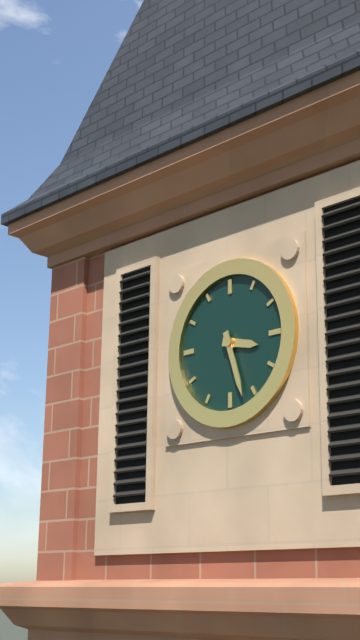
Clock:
3:27
